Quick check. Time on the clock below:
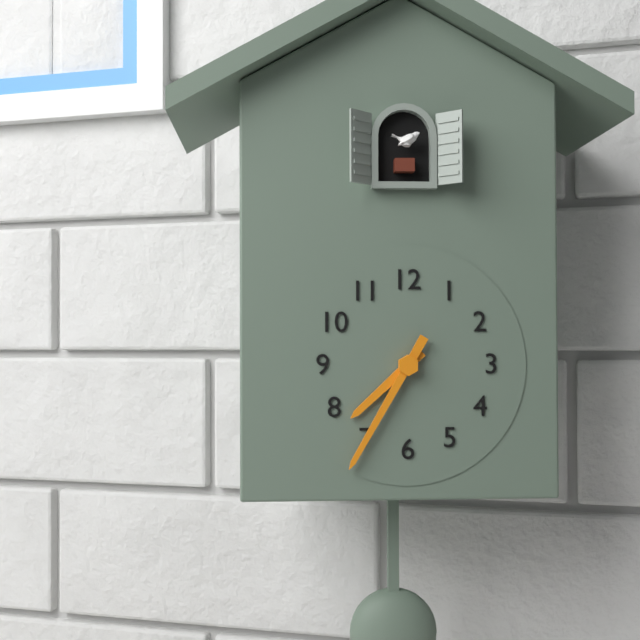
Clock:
7:35
